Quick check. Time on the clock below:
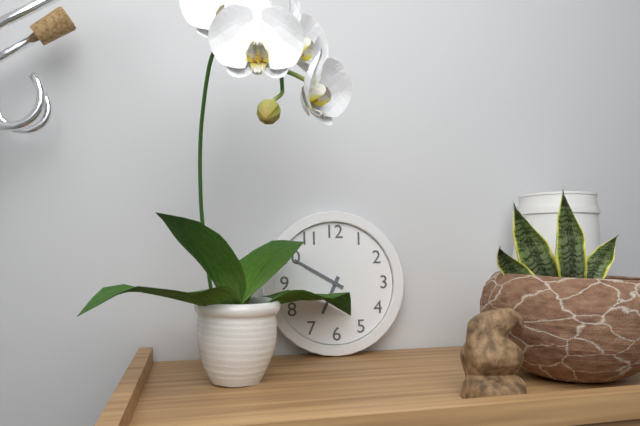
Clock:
6:50
